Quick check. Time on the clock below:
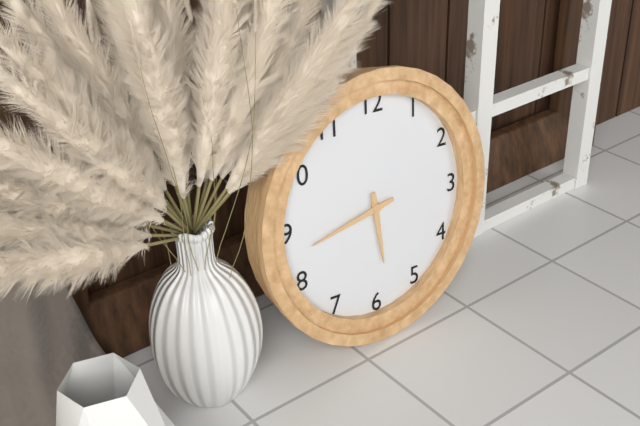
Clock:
5:43
